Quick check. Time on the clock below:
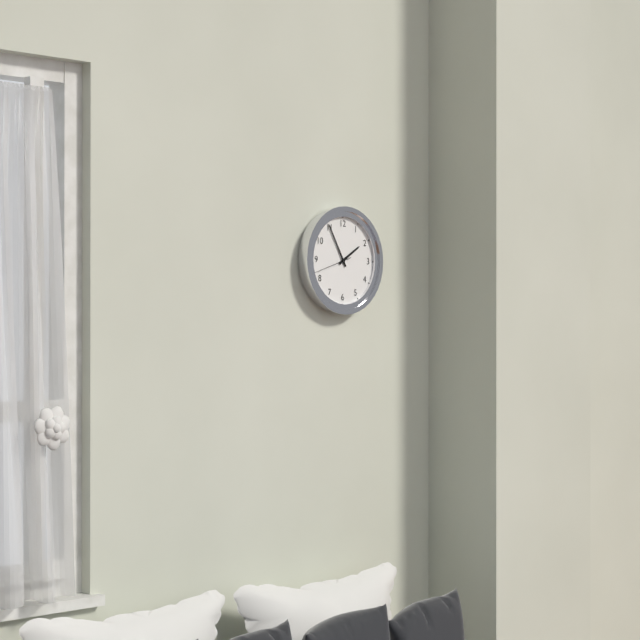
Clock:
1:55
